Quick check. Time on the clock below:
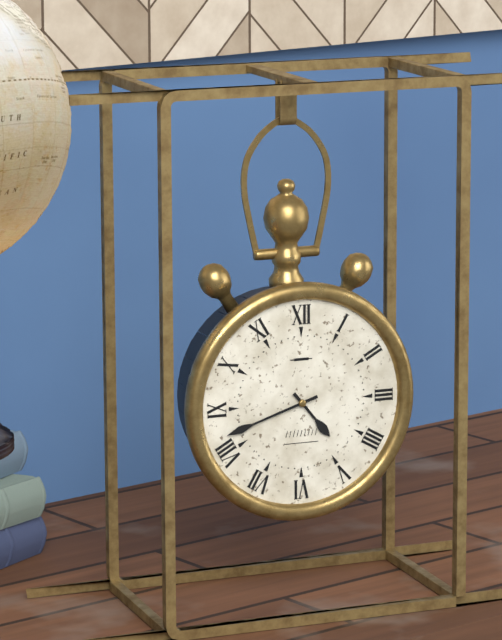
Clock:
4:42
